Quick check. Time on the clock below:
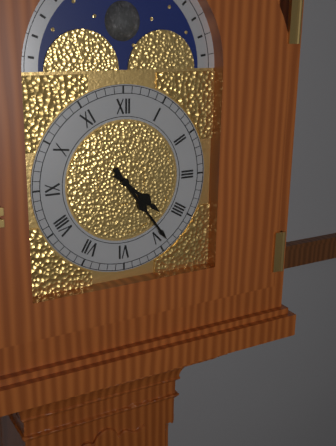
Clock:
4:24
